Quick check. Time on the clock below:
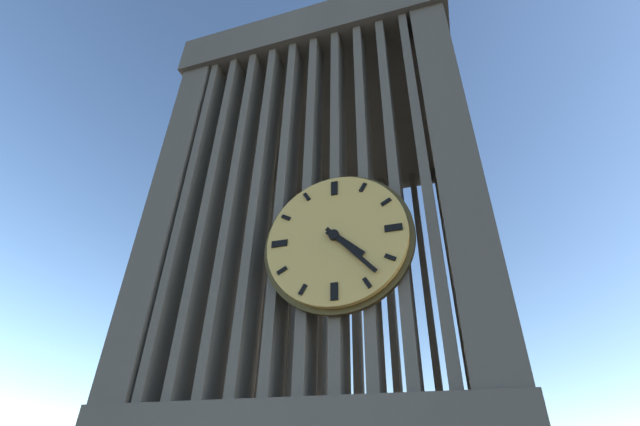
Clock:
4:23
